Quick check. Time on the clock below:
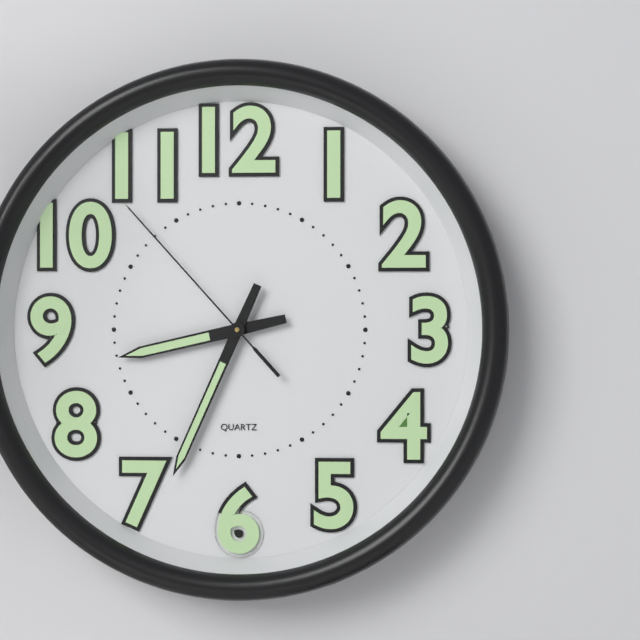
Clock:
8:34:53
